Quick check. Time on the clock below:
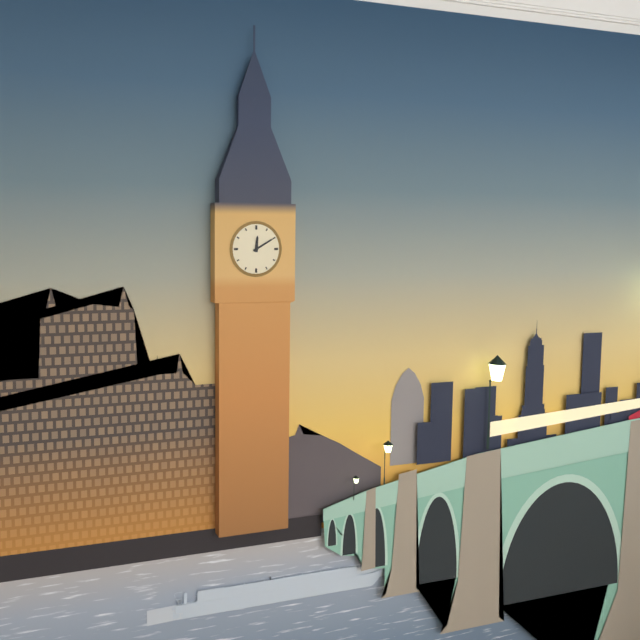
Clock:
12:10
